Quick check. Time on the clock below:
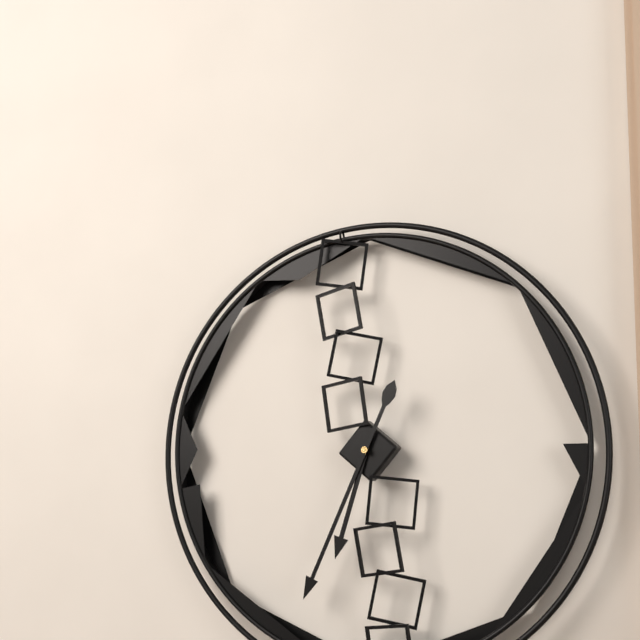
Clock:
6:34
